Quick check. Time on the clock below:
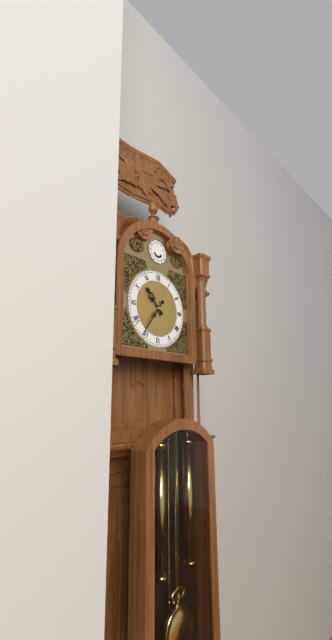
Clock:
10:36
